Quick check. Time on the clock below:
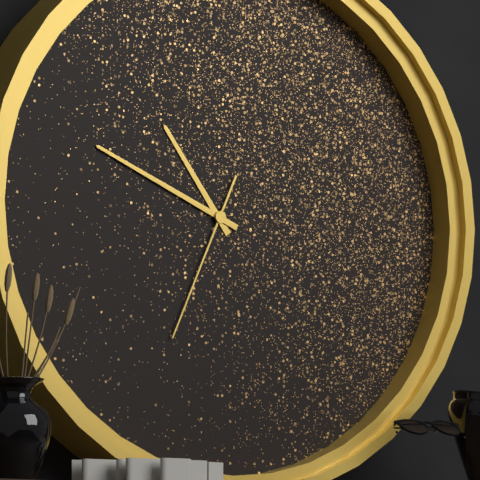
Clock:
10:49:34
